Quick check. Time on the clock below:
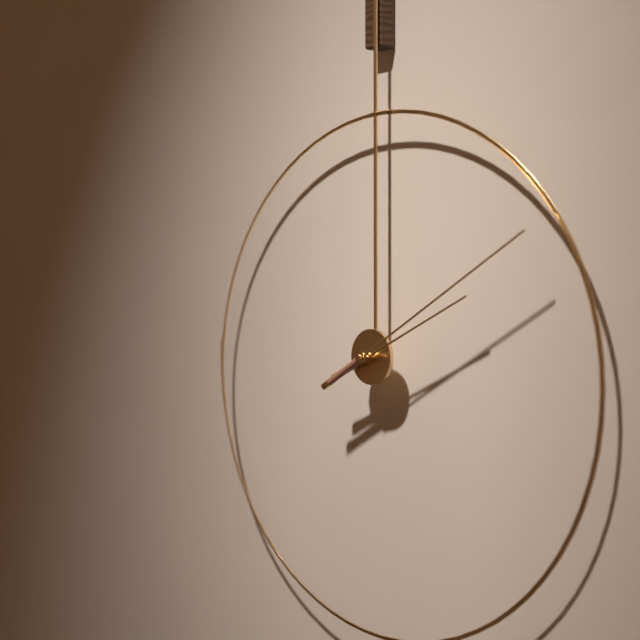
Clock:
2:10
